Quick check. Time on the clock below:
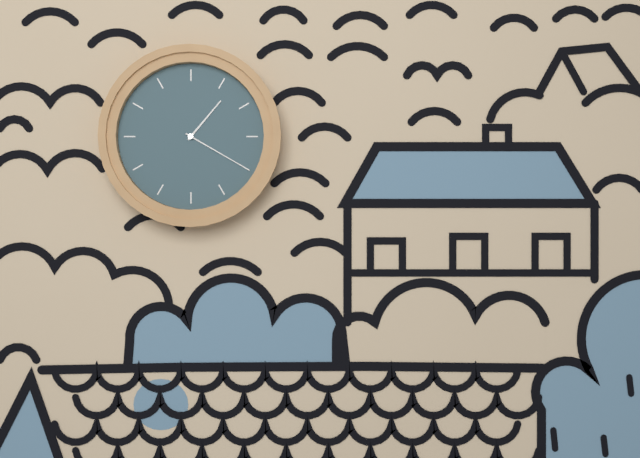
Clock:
1:20
